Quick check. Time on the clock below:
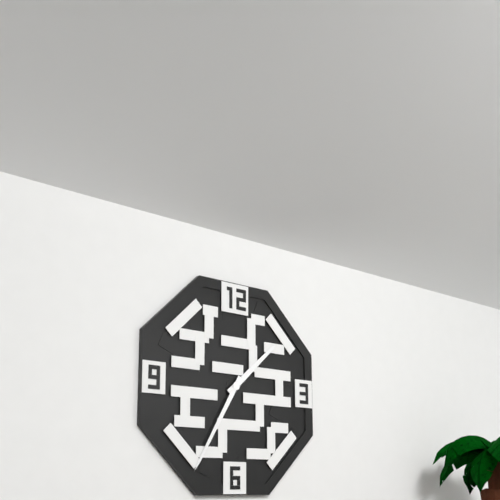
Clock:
1:35
